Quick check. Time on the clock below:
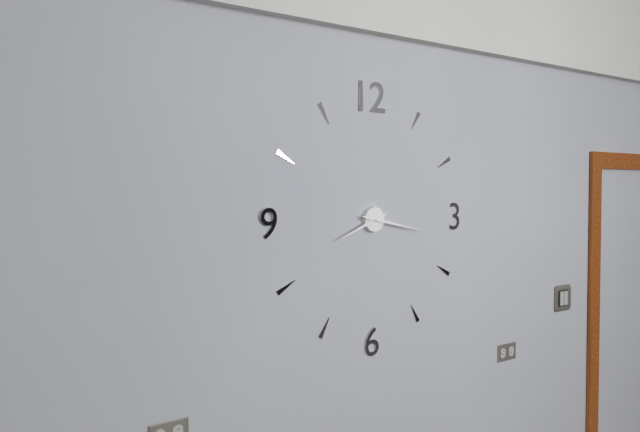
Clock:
8:17
